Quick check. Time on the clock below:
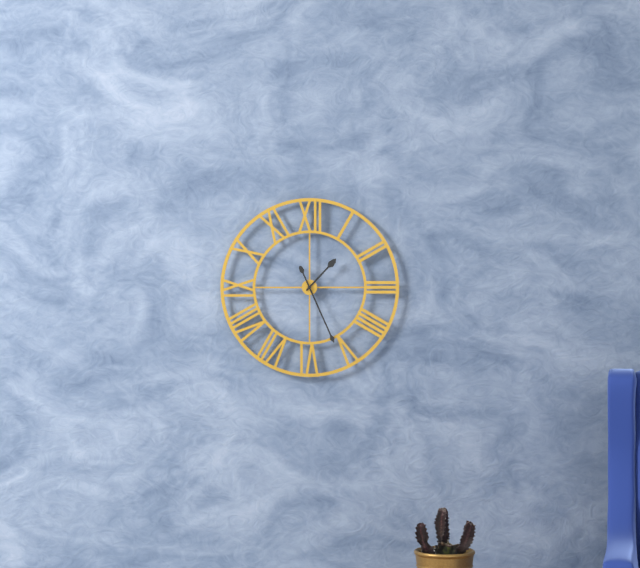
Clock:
1:26
